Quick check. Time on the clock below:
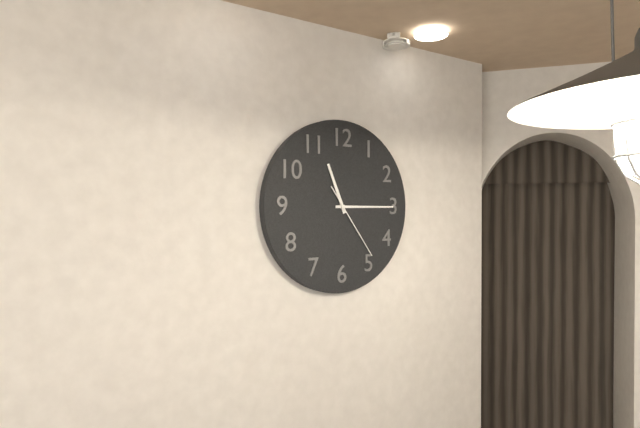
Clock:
11:15:24
